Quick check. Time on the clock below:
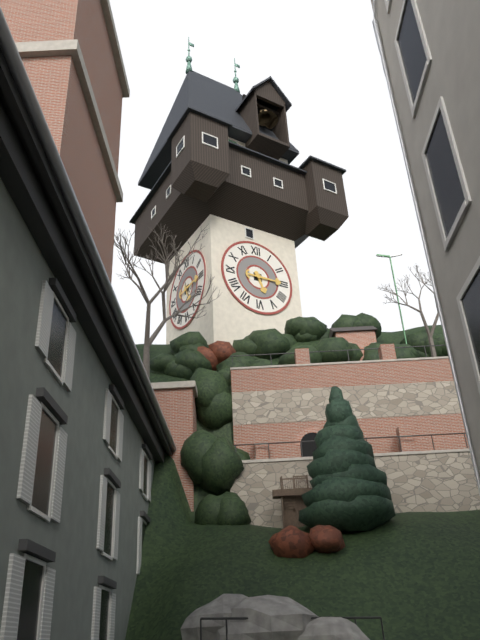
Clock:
5:15
